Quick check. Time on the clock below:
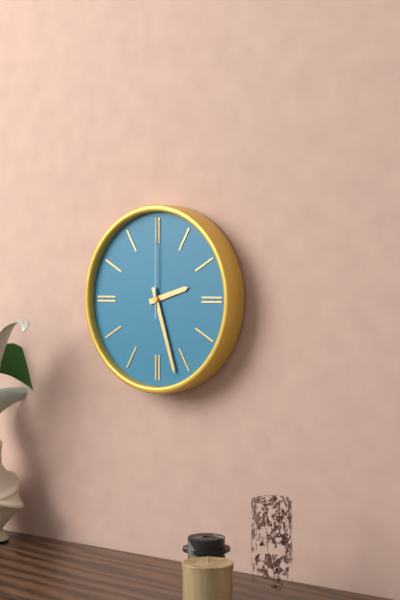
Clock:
2:27:00
